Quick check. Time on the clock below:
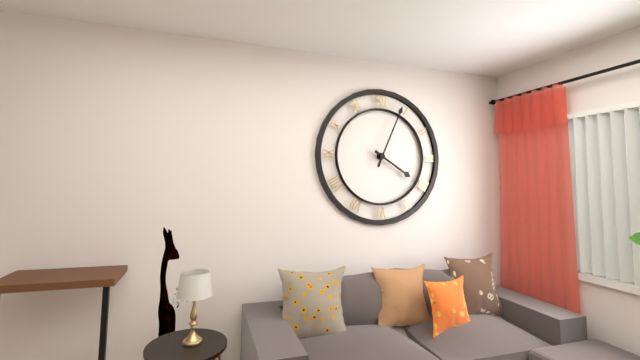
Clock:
4:04
